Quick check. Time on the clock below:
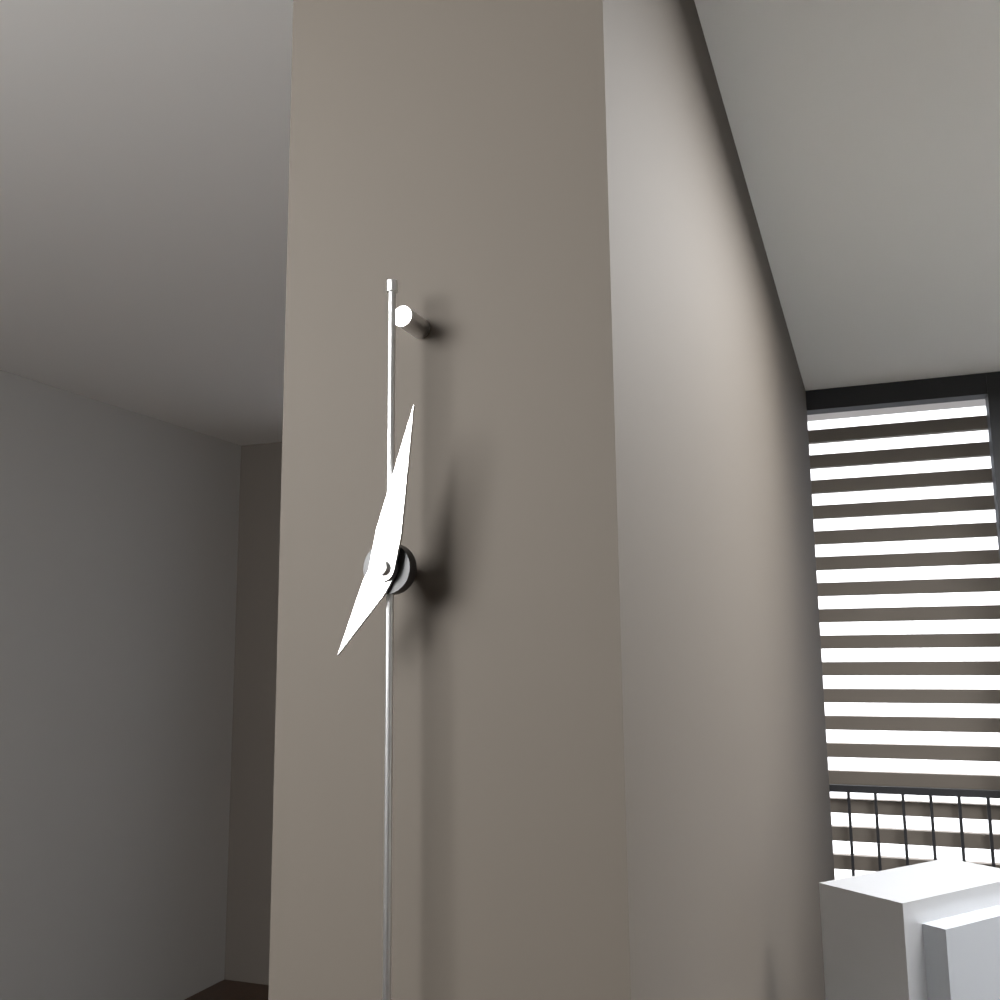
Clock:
7:02
